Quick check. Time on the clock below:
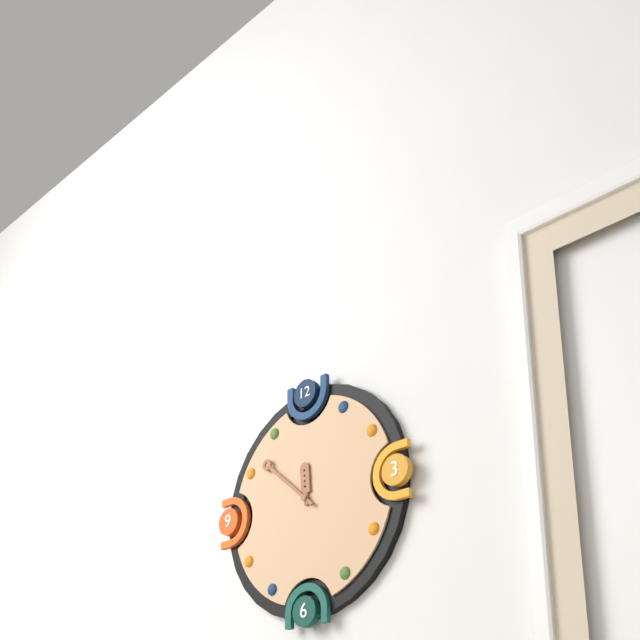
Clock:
11:52
